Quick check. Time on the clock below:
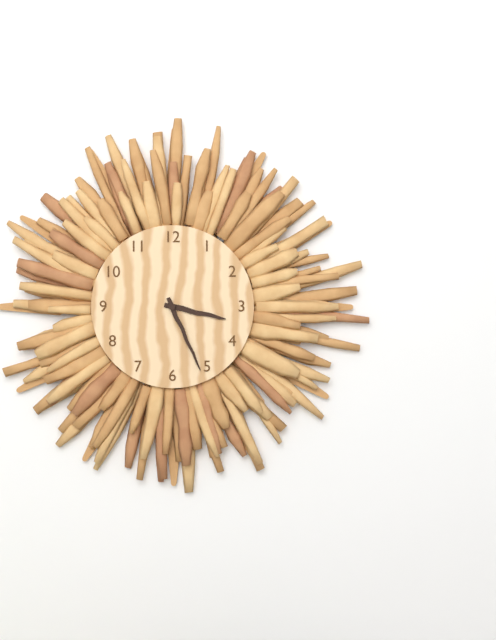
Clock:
3:26
